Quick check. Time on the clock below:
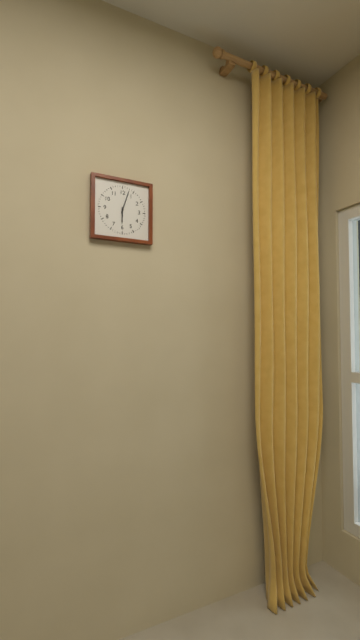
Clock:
6:03
